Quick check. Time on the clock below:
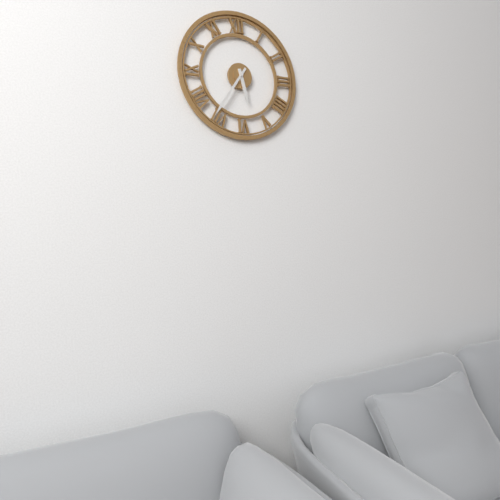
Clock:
5:36
